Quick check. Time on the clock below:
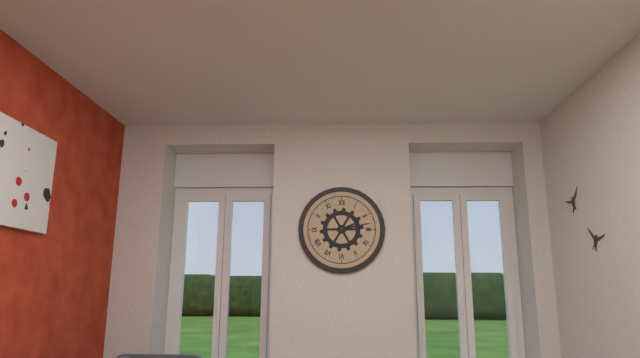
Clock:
2:13
